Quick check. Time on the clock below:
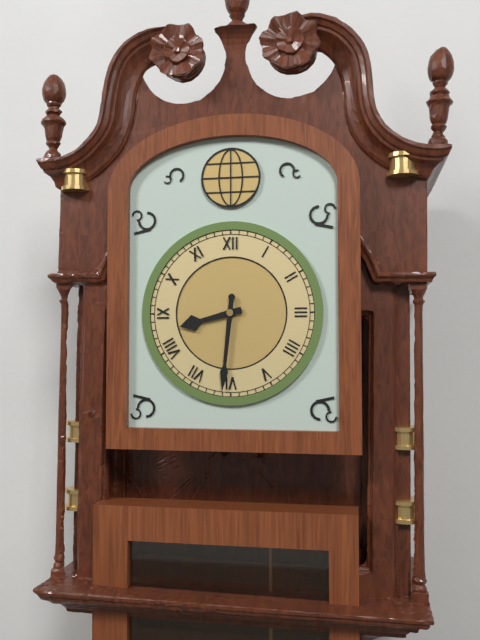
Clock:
8:31
